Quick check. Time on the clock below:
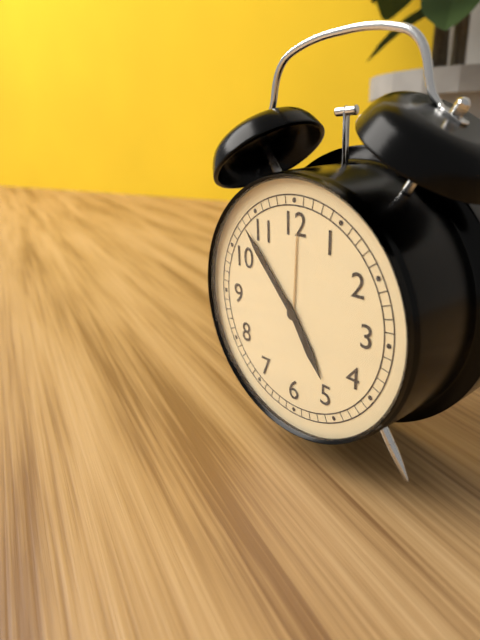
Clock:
4:53
